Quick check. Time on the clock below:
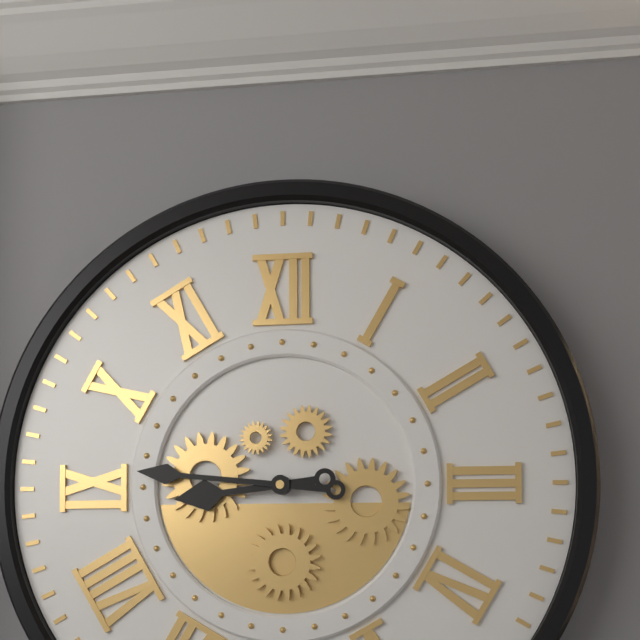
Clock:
8:46
